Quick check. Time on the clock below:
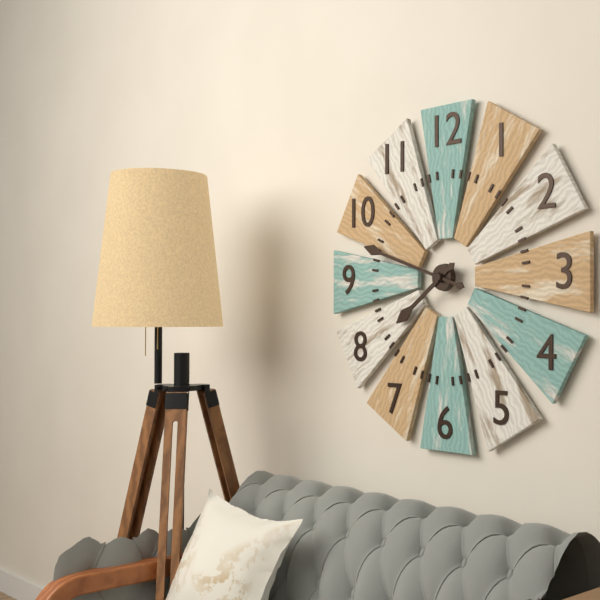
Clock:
7:48
